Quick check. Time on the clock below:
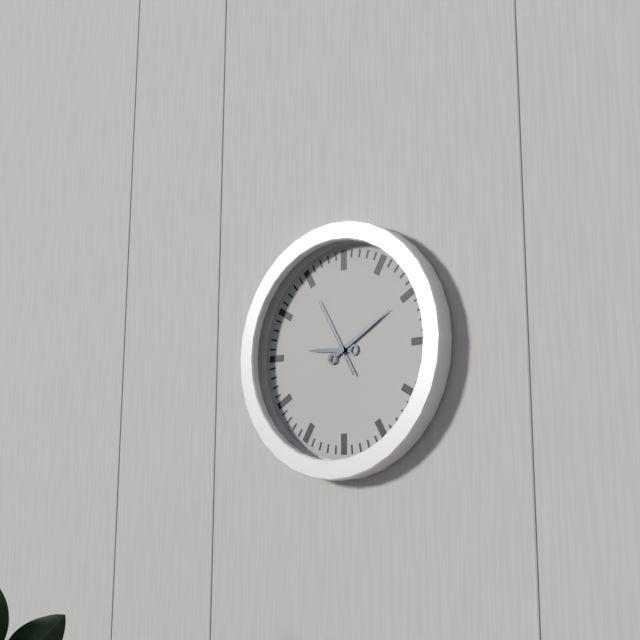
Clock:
9:10:55
